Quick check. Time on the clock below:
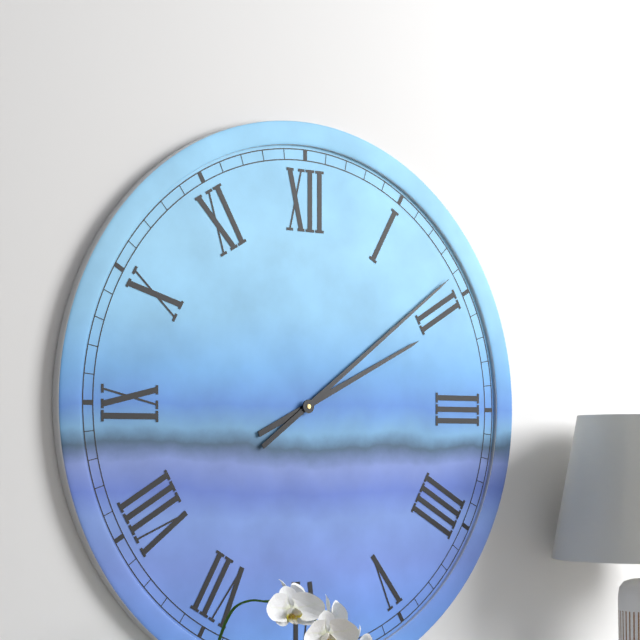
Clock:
2:09
